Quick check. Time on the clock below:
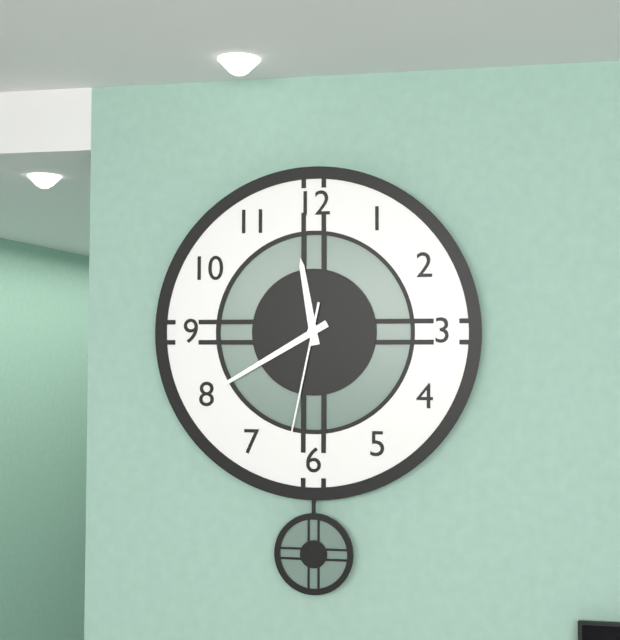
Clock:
11:40:32
